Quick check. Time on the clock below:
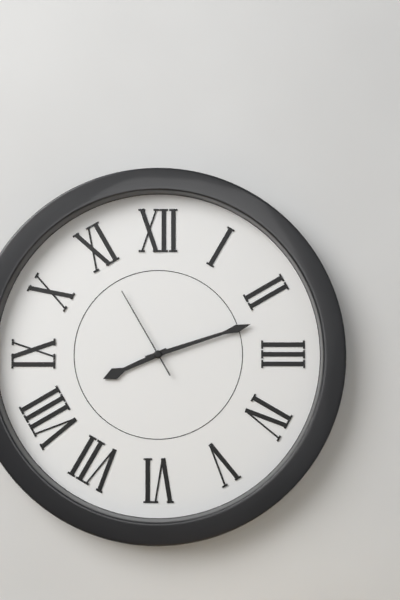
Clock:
8:12:55
